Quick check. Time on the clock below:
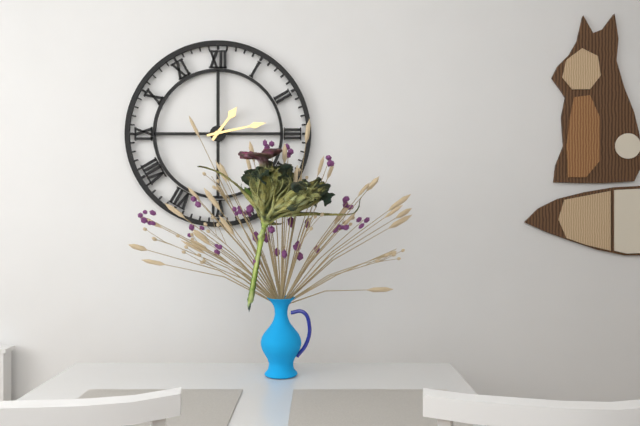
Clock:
1:13
